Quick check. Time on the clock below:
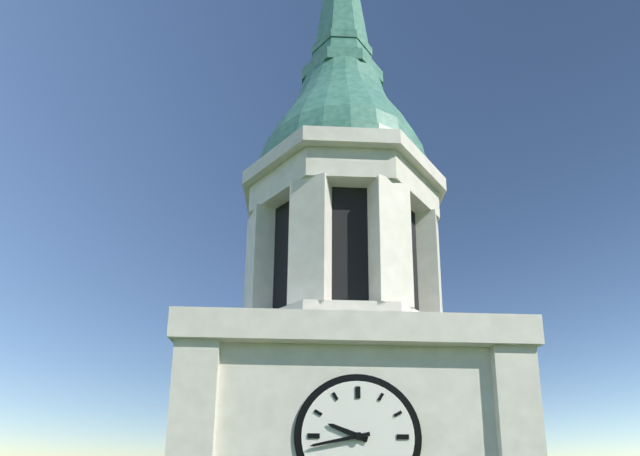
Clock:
9:43
